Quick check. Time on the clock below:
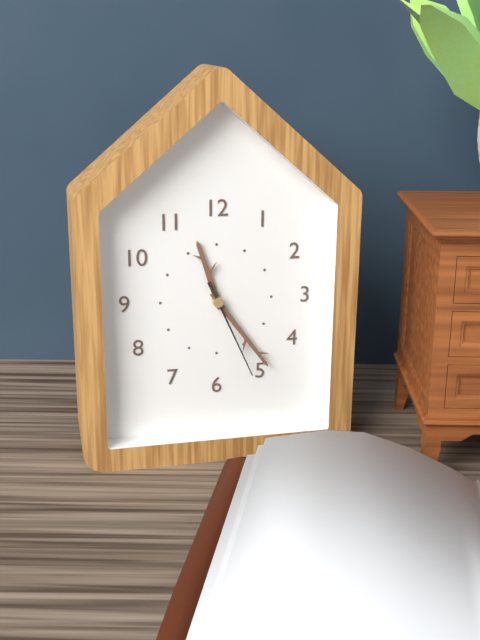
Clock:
11:24:26
